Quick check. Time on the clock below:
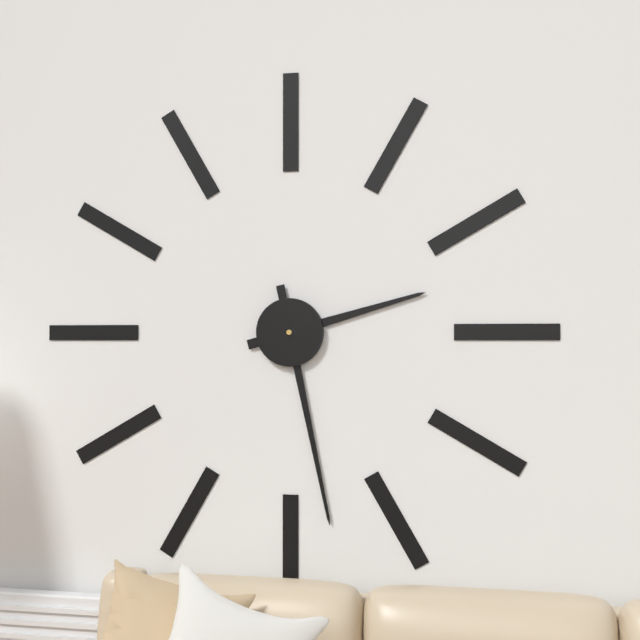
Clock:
2:28
